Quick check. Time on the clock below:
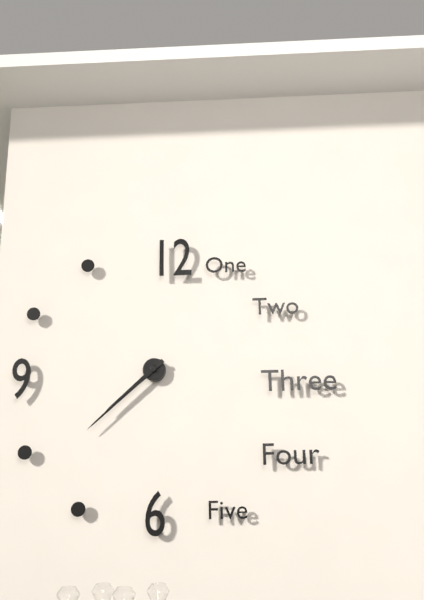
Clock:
7:38
